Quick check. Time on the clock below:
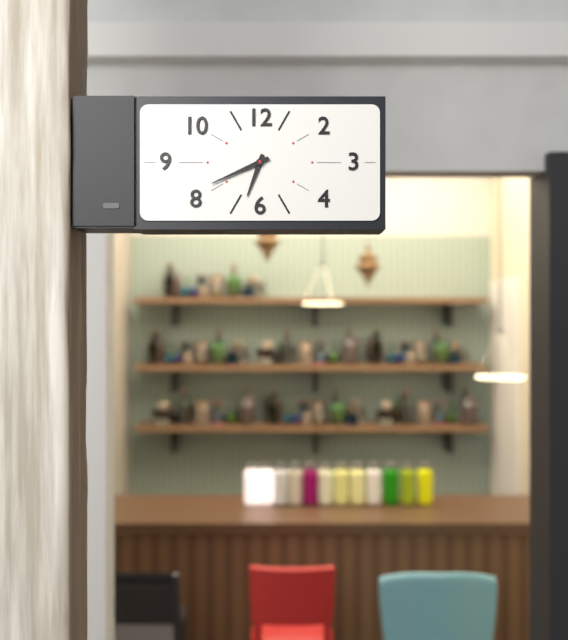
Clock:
6:41
